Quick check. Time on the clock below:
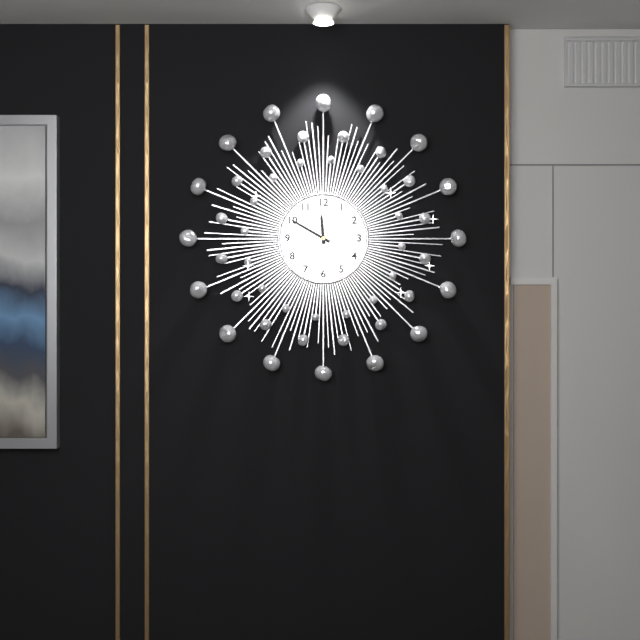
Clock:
11:50
